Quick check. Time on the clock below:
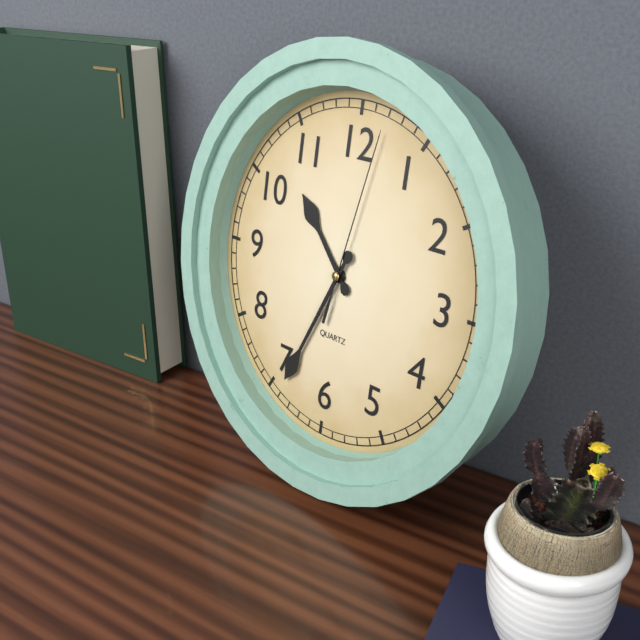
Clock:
10:34:02
